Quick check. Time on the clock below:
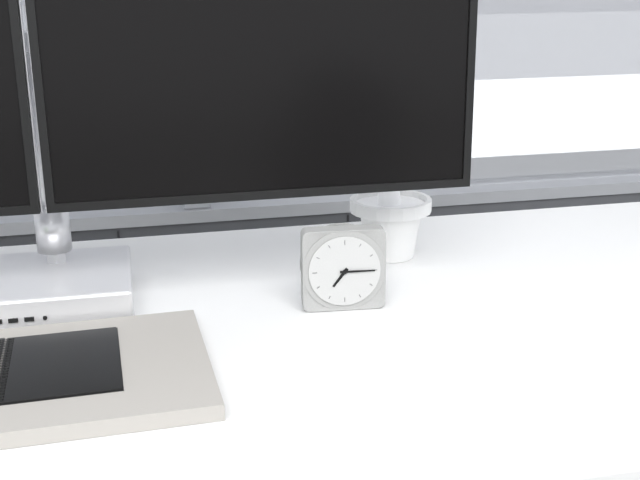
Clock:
7:15
